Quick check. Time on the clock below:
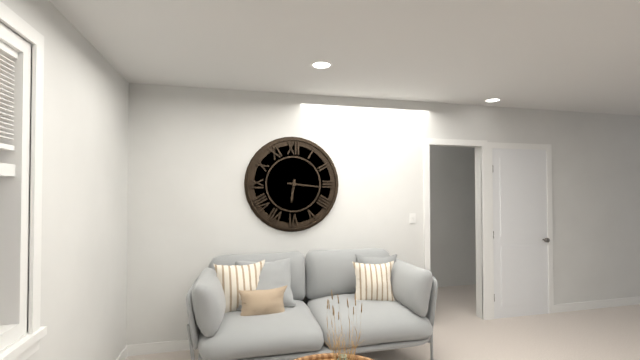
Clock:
6:16
